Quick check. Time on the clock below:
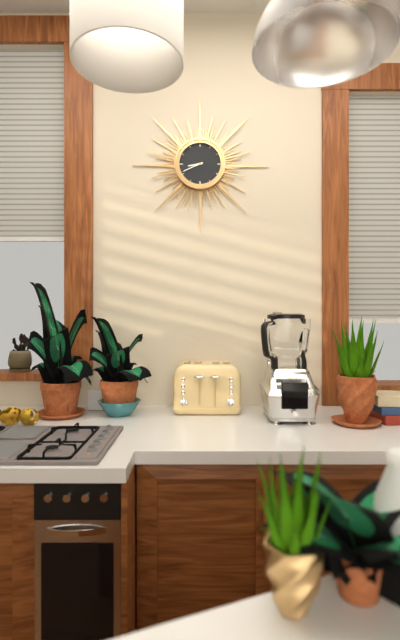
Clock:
8:41
